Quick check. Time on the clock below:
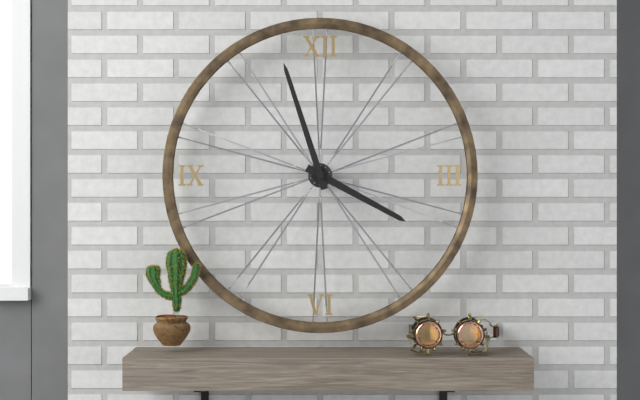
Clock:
3:57
